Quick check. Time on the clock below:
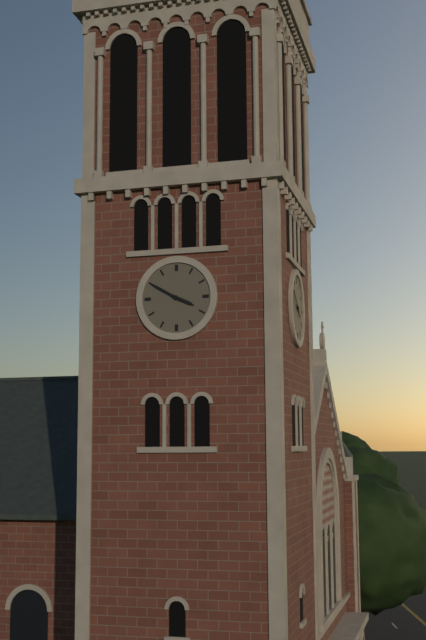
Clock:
3:50
